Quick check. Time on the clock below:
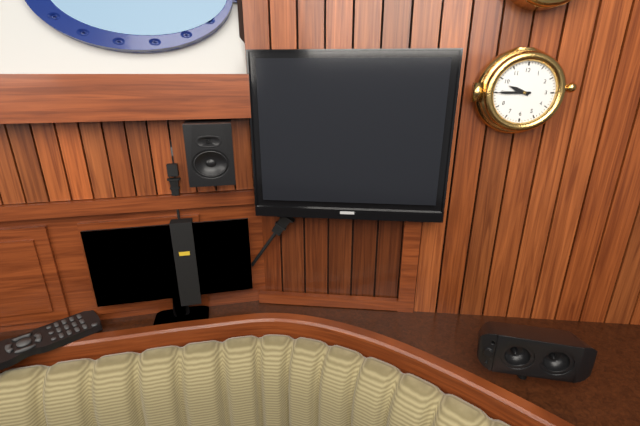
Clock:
9:45
